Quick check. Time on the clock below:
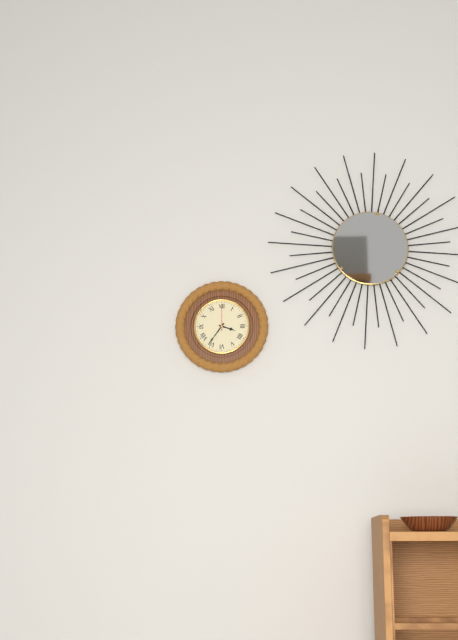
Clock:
3:36
